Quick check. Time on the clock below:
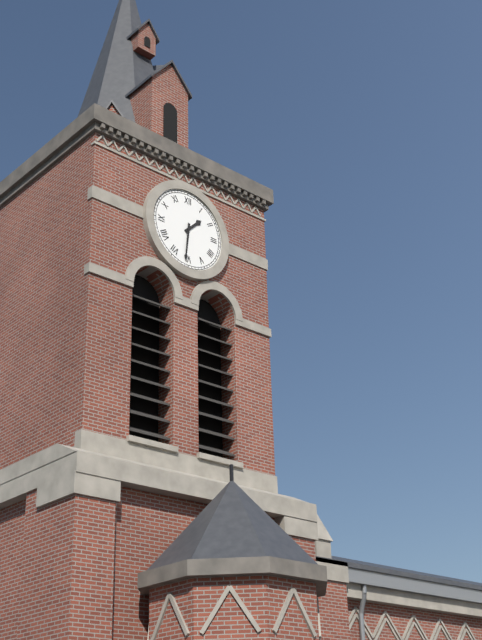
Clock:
1:31
